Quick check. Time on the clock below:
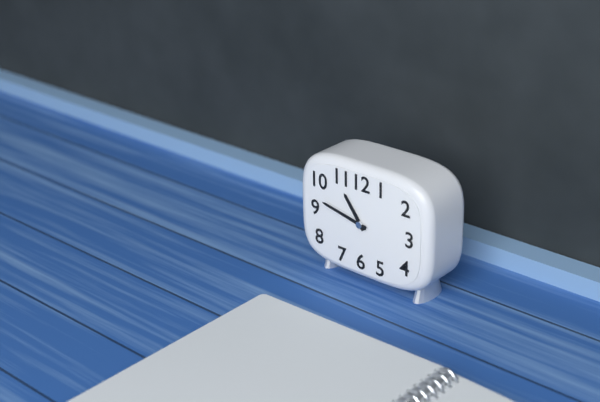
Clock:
10:47
